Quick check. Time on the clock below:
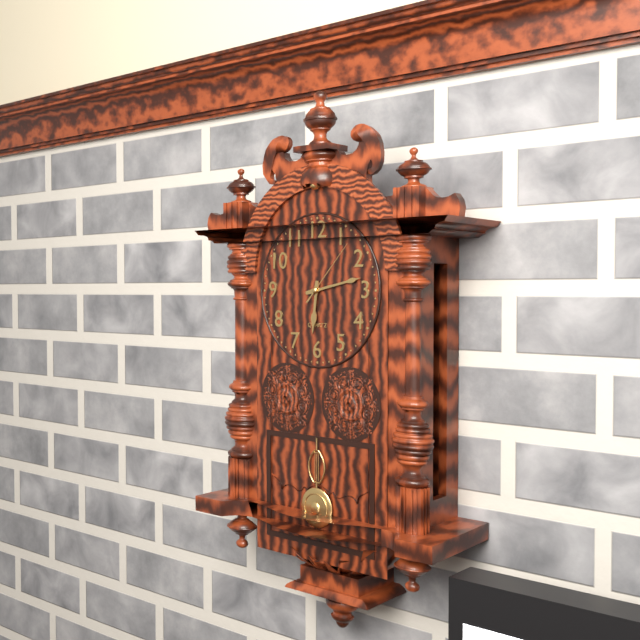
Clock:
6:13:07
